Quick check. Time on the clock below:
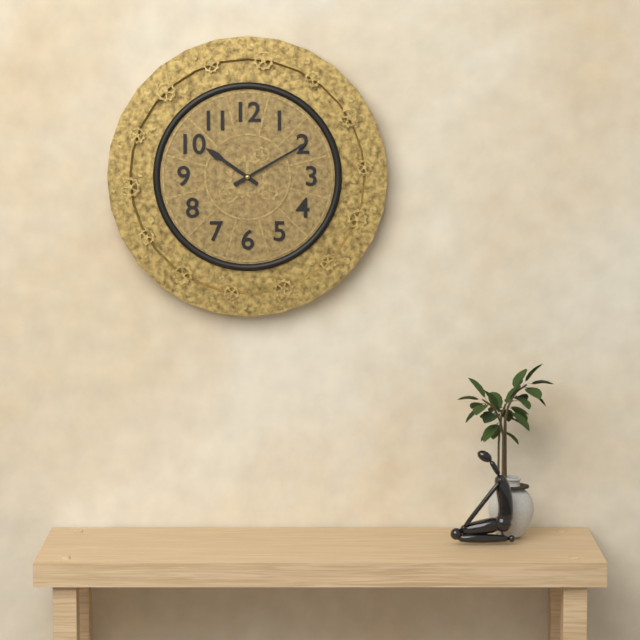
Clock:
10:10
